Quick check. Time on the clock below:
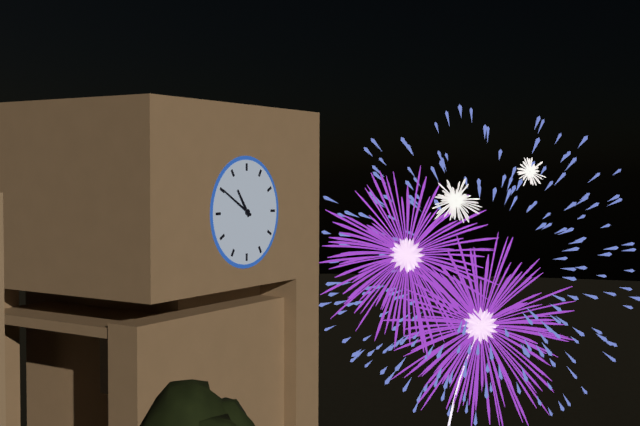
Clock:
10:50
